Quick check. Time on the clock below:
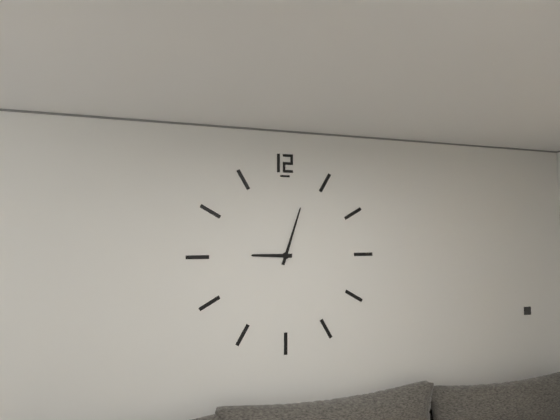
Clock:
9:03
